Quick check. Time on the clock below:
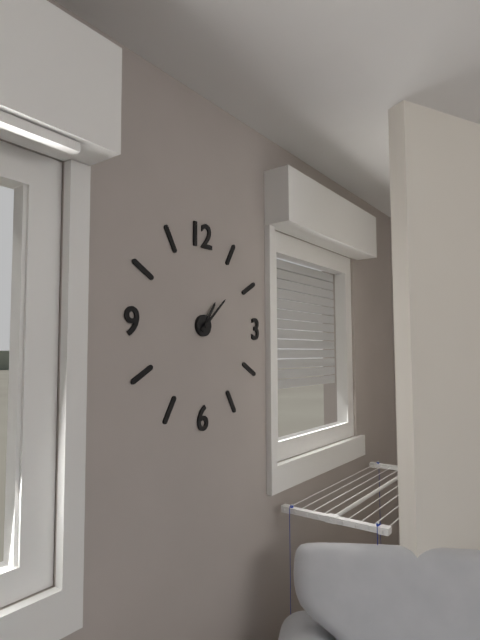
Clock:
1:08
